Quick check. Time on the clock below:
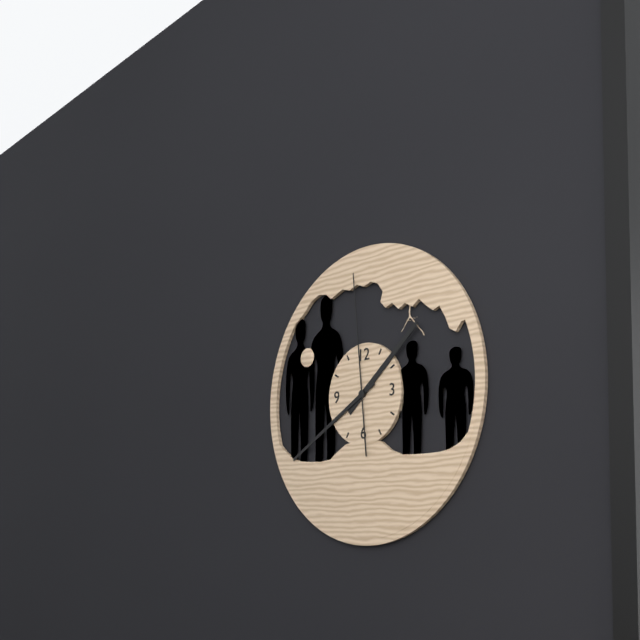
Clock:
1:40:59
